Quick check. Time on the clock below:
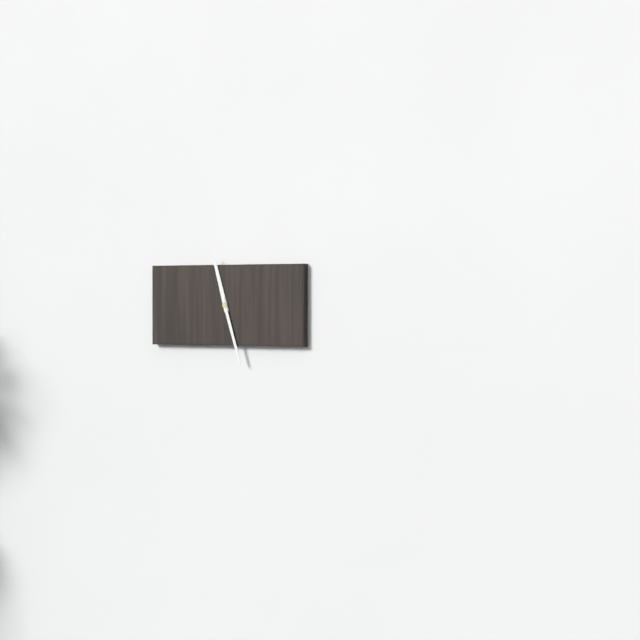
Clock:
11:27
